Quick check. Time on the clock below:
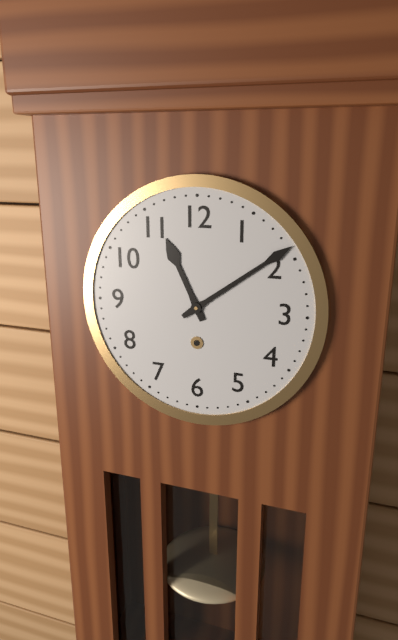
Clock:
11:09
